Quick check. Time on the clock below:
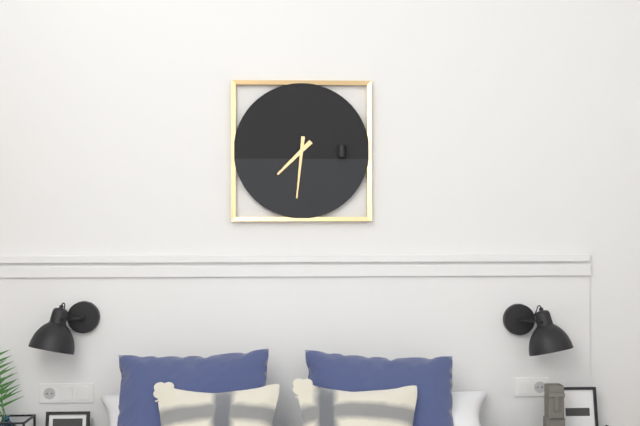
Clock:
7:31
